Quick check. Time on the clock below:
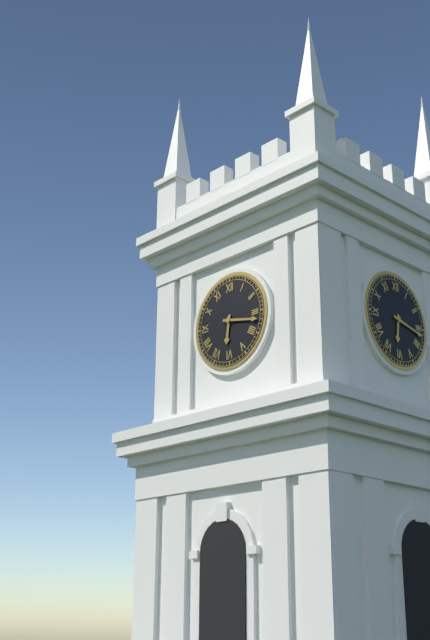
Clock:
6:17
